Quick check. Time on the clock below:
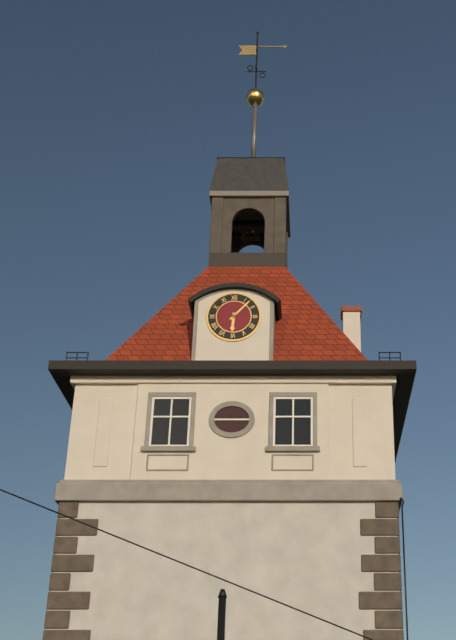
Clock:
6:07
